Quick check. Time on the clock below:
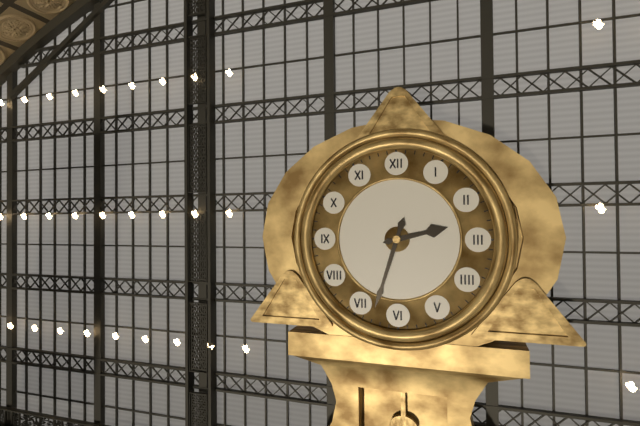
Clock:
2:33
